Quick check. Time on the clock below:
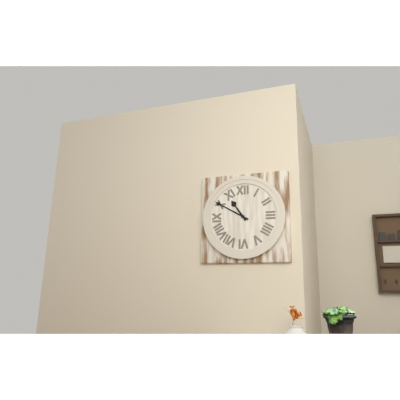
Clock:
10:50
